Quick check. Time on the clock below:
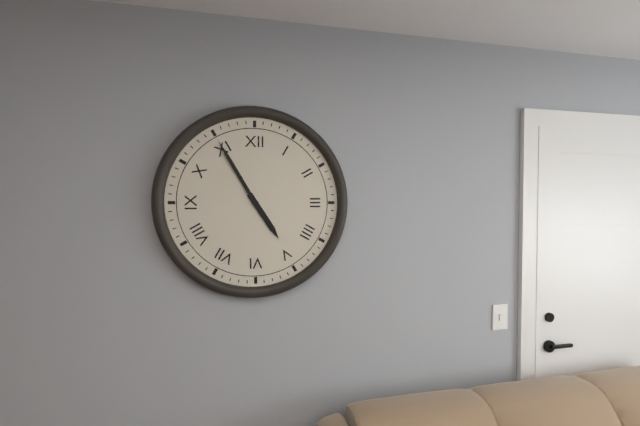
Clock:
4:55
